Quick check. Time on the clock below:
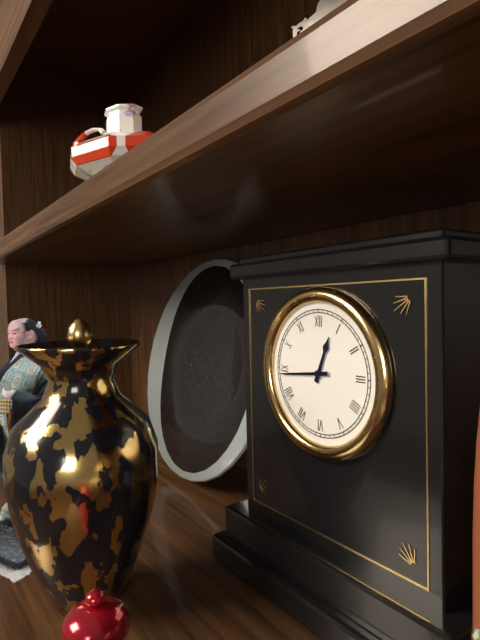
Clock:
12:44
